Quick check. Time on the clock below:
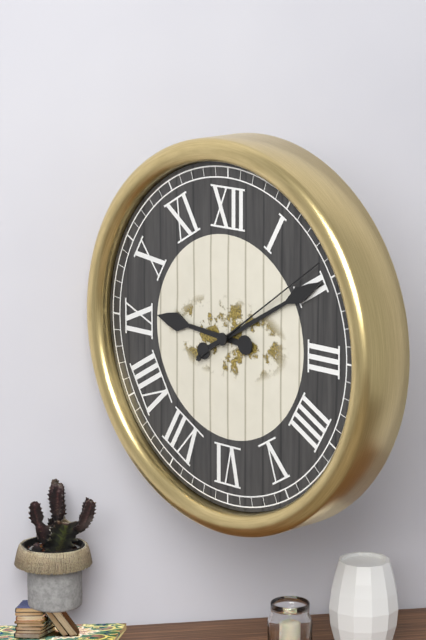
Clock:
9:10:09
